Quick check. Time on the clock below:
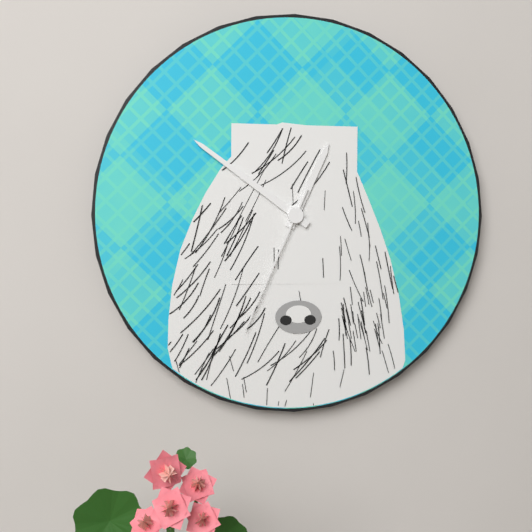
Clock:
12:51:34
